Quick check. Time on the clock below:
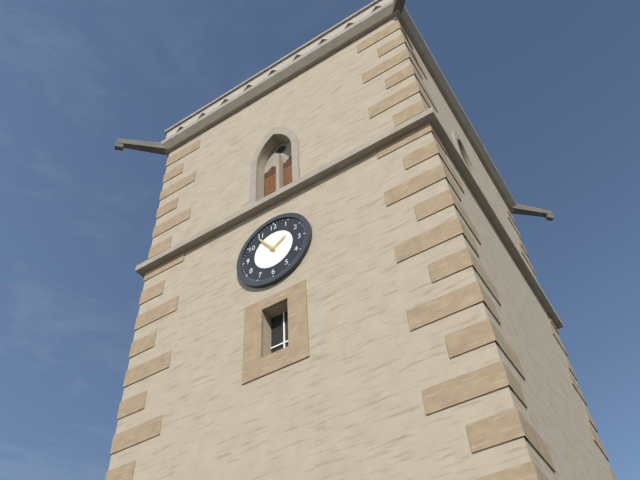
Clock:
1:54
